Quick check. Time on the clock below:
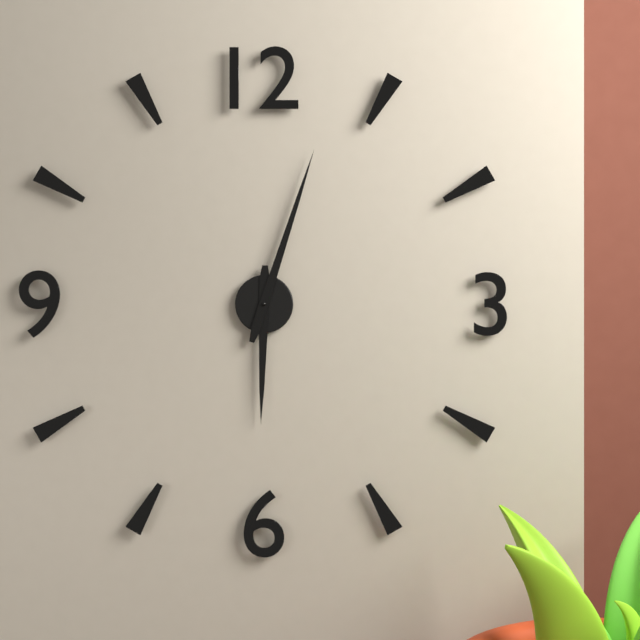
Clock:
6:03
